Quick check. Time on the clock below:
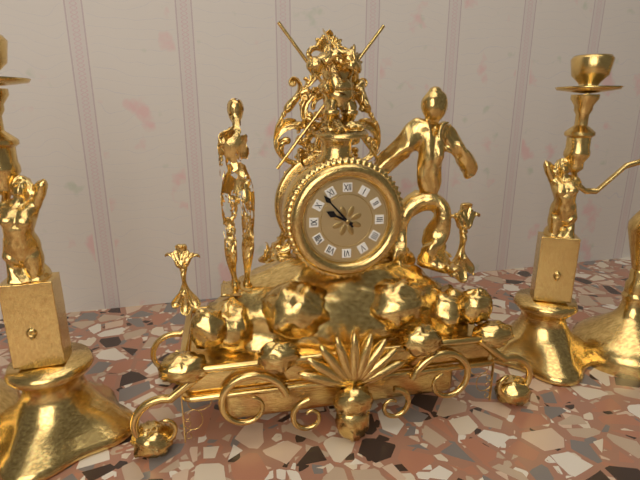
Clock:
9:53
